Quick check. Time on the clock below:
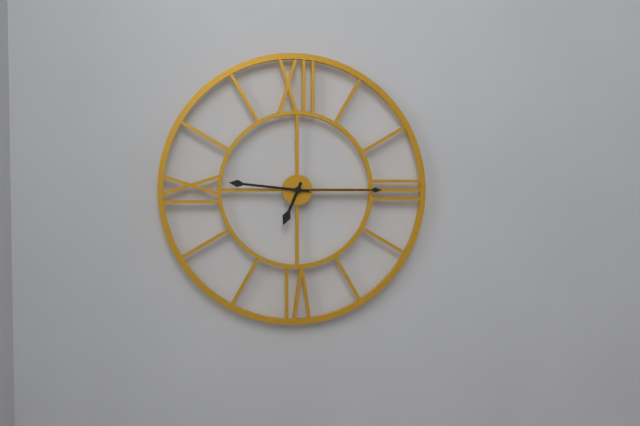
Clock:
6:46:15
